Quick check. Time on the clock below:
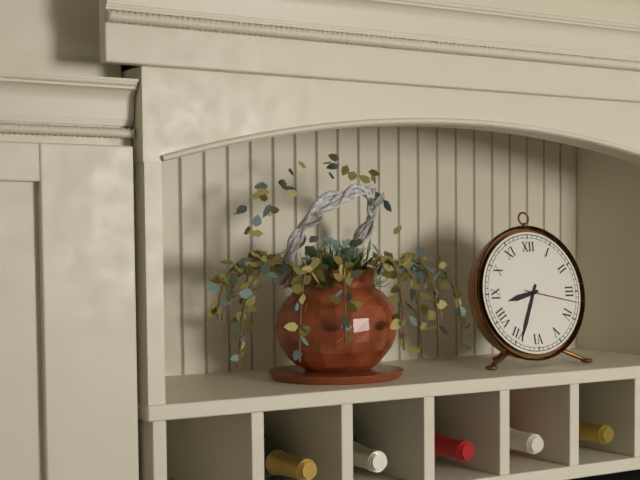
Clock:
8:34:17
